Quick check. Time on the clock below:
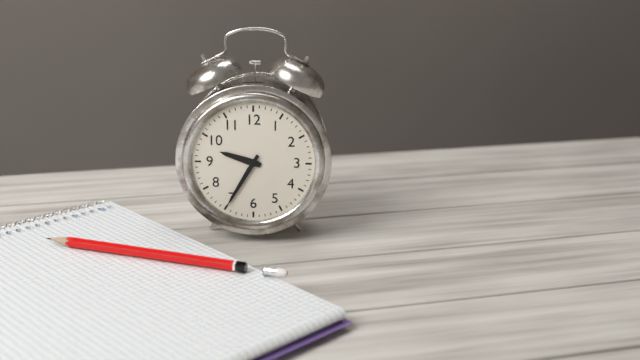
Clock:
9:35
